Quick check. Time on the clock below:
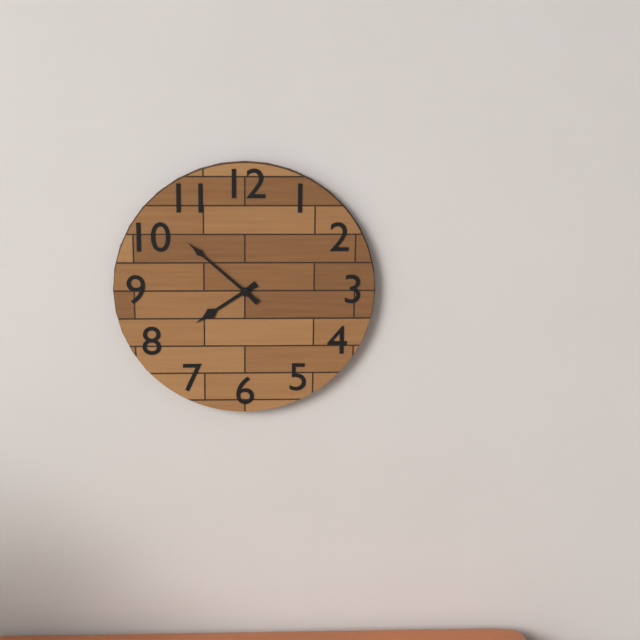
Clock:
7:52
